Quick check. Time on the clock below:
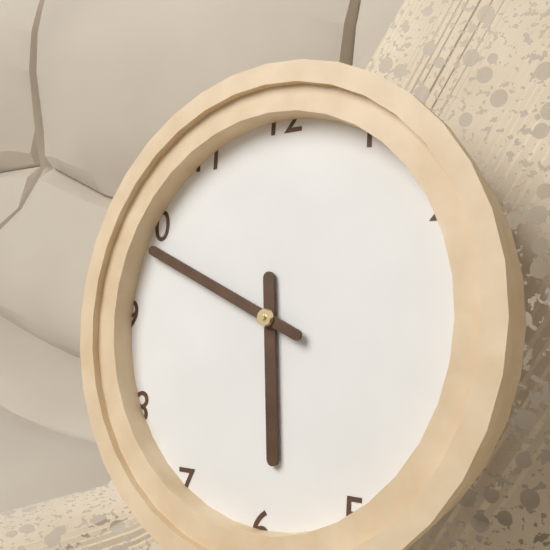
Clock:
5:49
